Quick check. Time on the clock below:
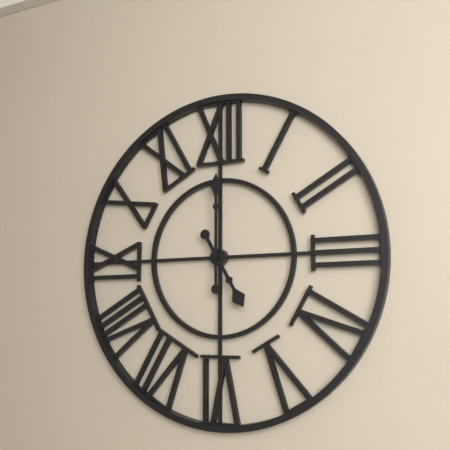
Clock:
5:00
